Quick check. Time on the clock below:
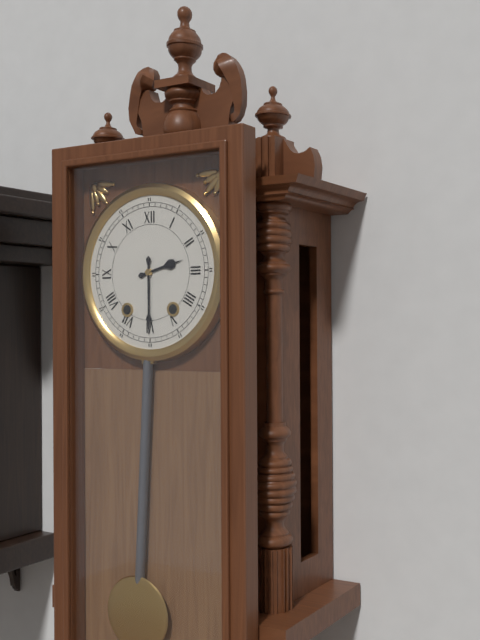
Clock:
2:30
